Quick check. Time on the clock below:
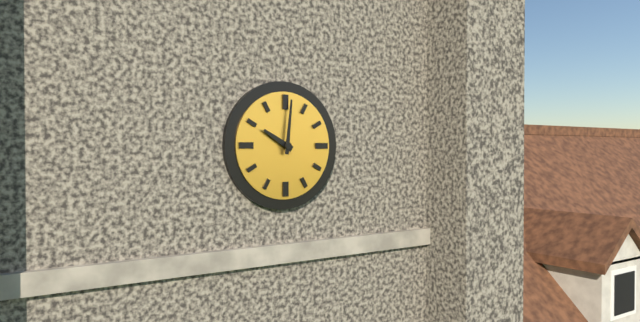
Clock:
10:01
